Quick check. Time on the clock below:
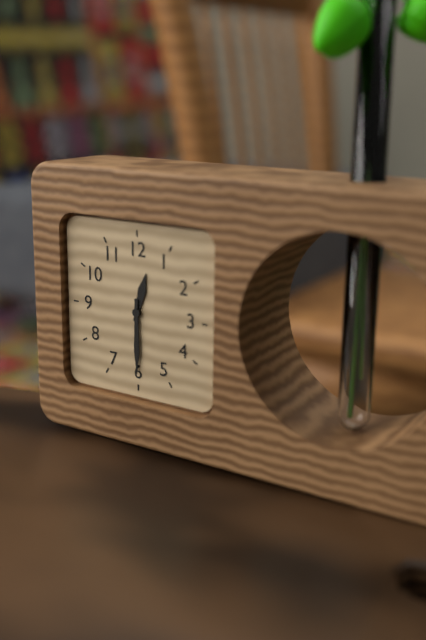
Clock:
12:30
